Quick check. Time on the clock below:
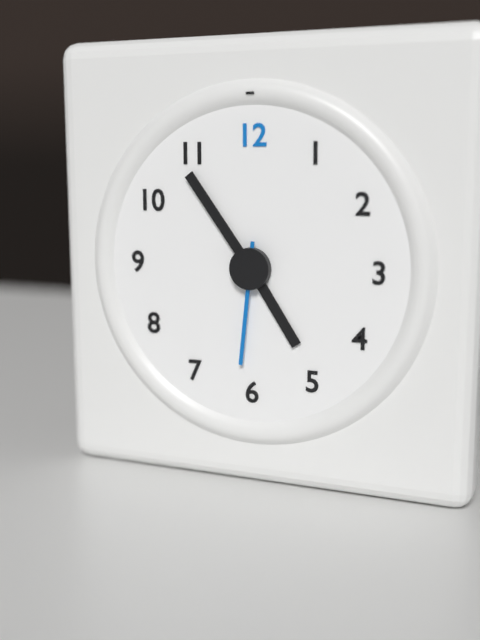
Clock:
4:54:31
